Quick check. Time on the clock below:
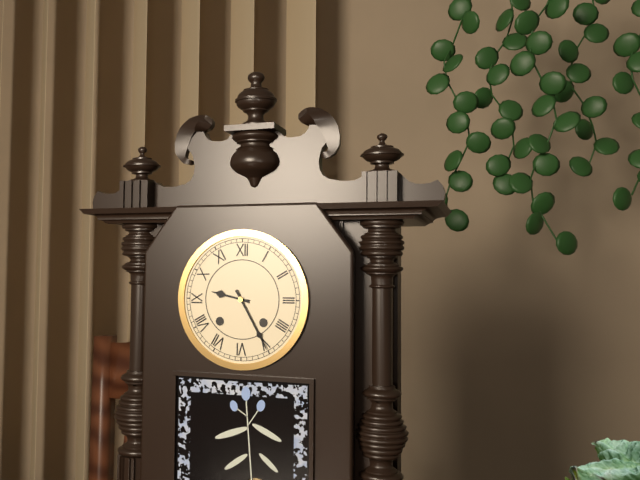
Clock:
9:25
